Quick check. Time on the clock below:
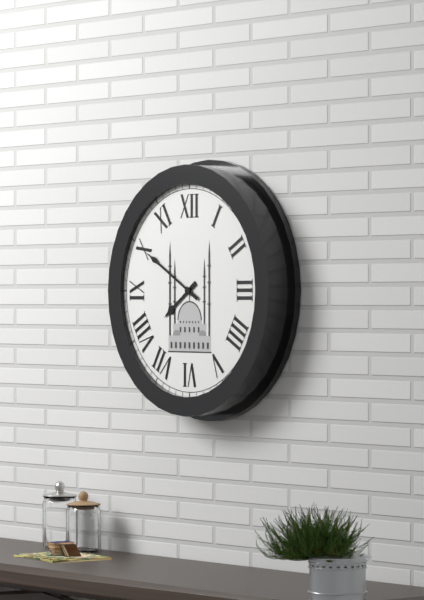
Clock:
7:50
